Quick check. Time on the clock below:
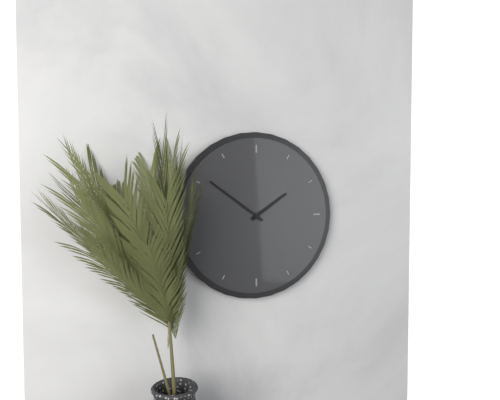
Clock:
1:51
